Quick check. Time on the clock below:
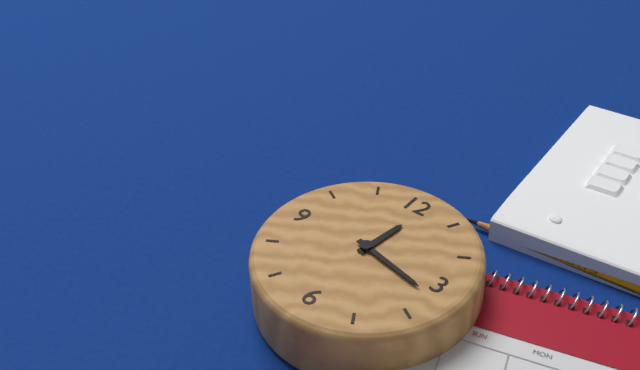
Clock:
12:17
